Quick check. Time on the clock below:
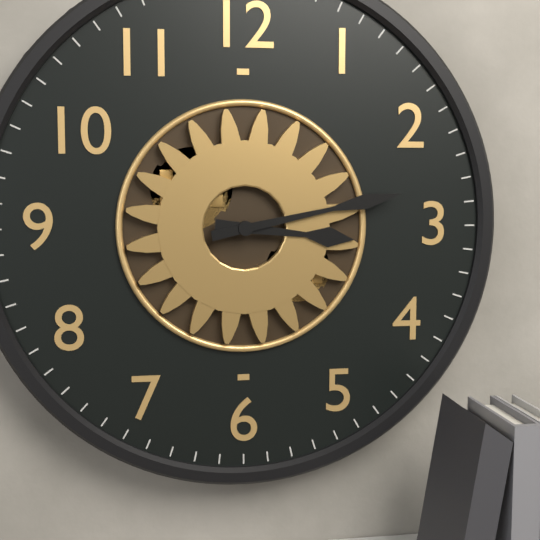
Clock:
3:13
